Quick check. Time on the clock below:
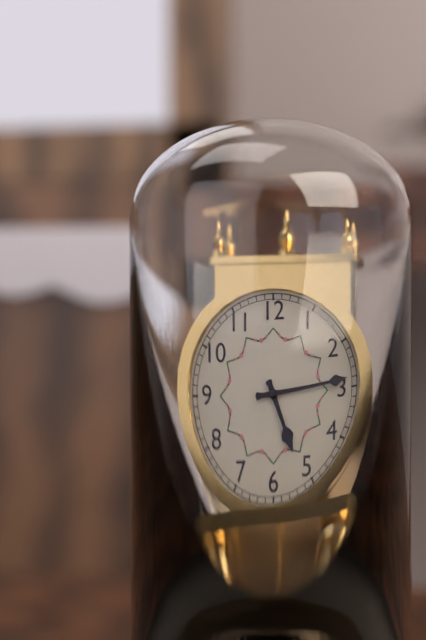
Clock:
5:14
